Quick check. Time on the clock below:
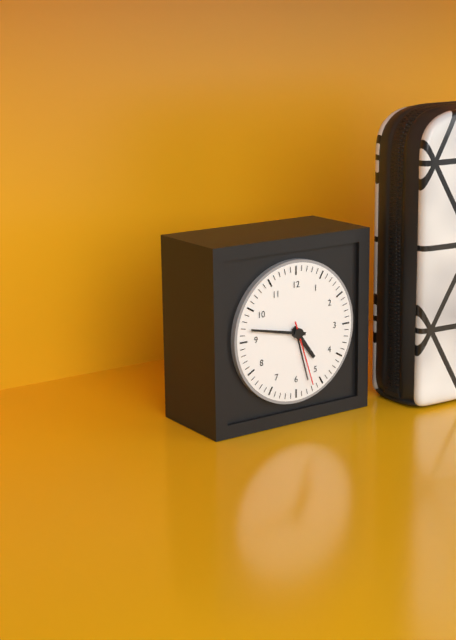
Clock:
4:47:27
